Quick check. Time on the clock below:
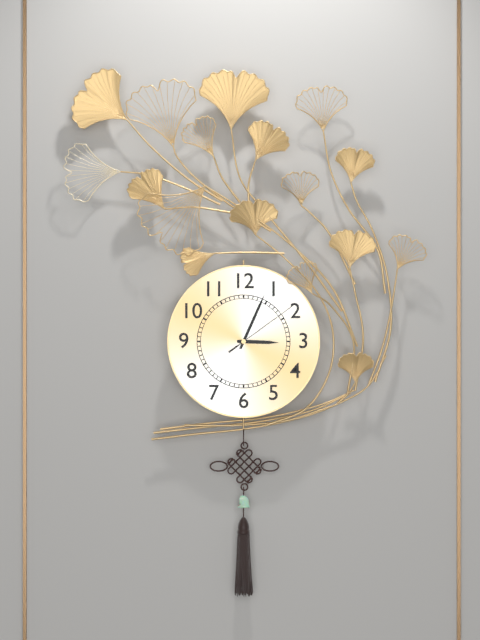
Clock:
3:04:09
